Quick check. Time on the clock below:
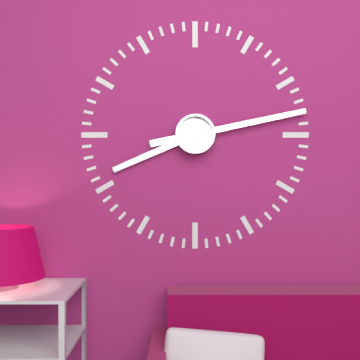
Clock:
8:13
